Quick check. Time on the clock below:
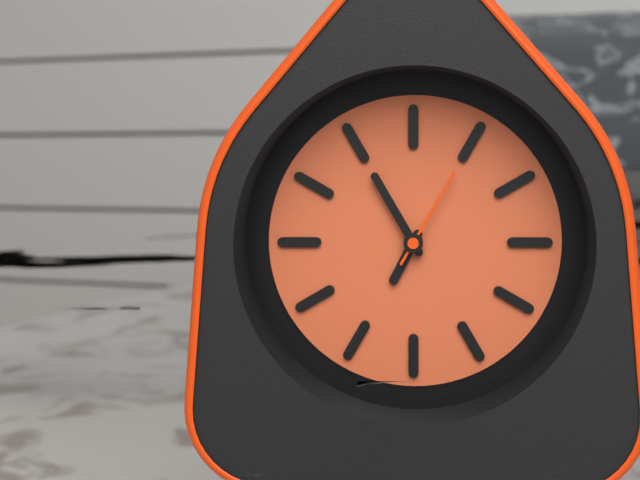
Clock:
6:55:05
